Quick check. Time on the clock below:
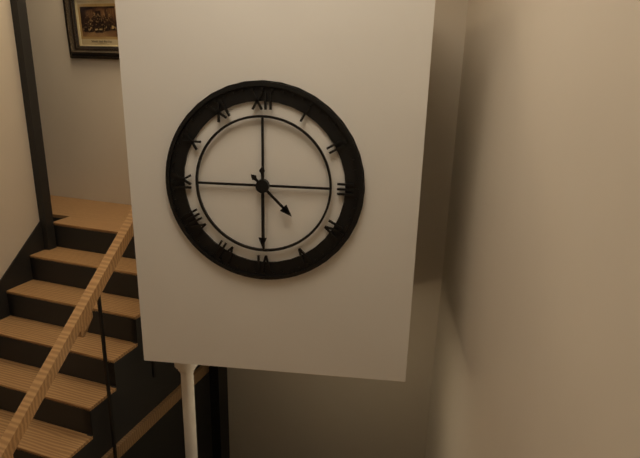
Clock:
4:30
